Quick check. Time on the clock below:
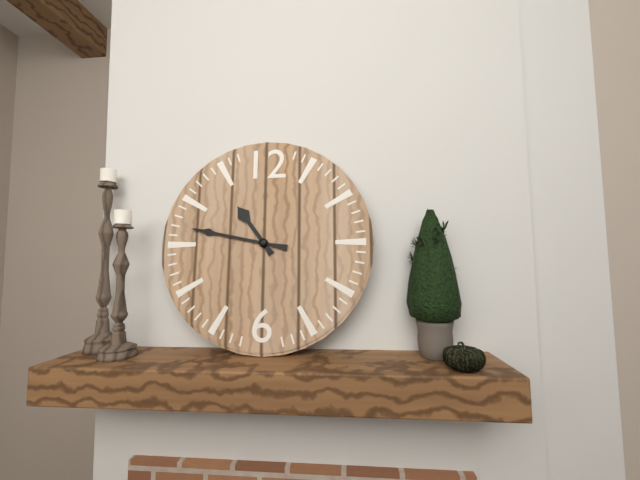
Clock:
10:47
